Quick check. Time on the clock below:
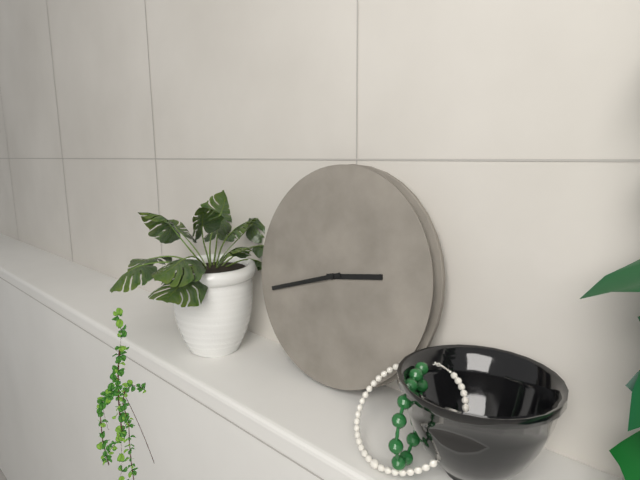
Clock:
2:42
